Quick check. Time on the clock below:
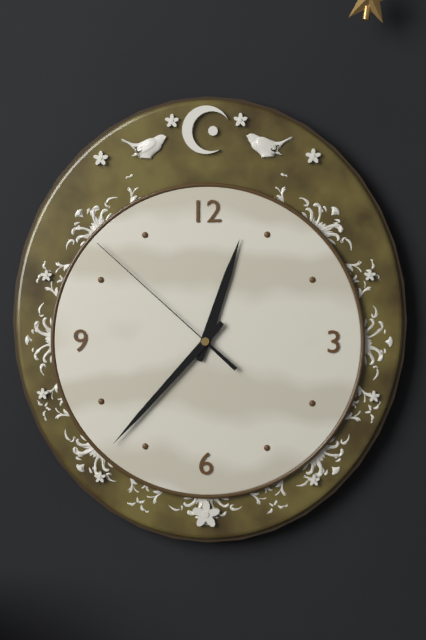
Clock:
12:37:52
